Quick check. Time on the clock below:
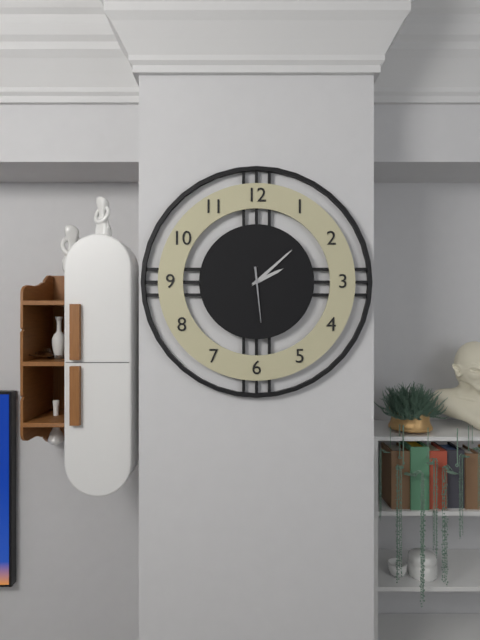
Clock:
2:08:29
